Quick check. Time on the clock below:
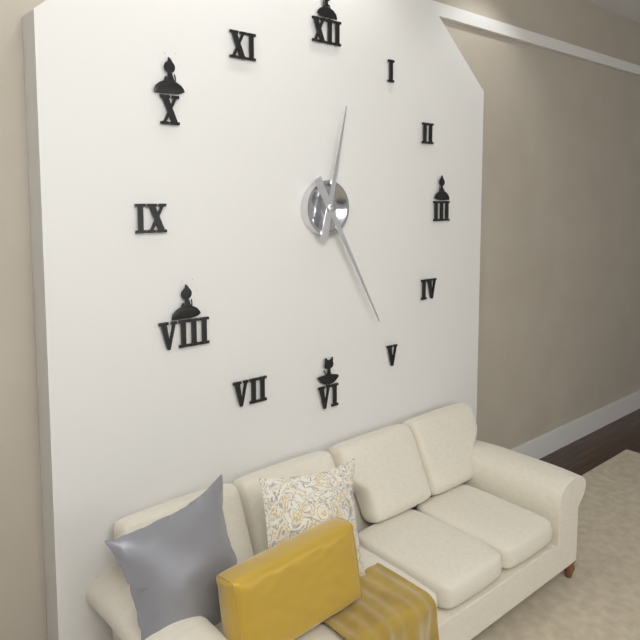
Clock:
12:25
